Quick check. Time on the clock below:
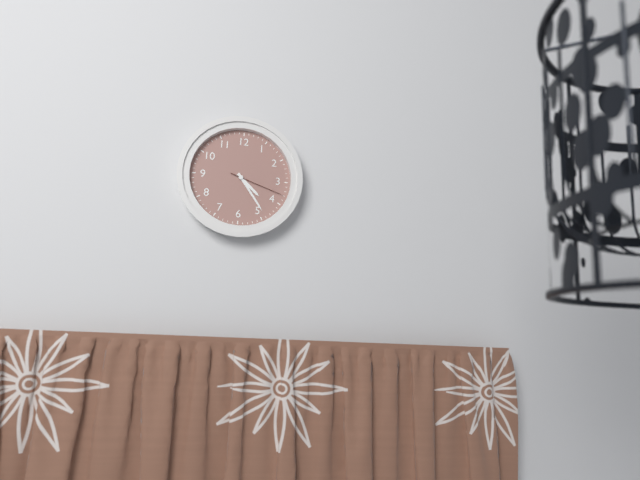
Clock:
4:24:18
